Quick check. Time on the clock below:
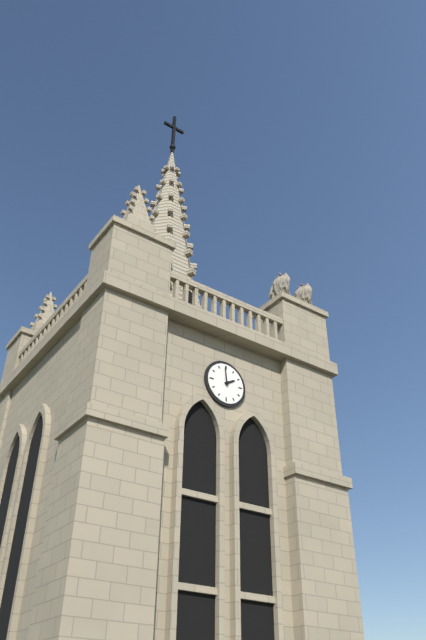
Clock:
1:59
